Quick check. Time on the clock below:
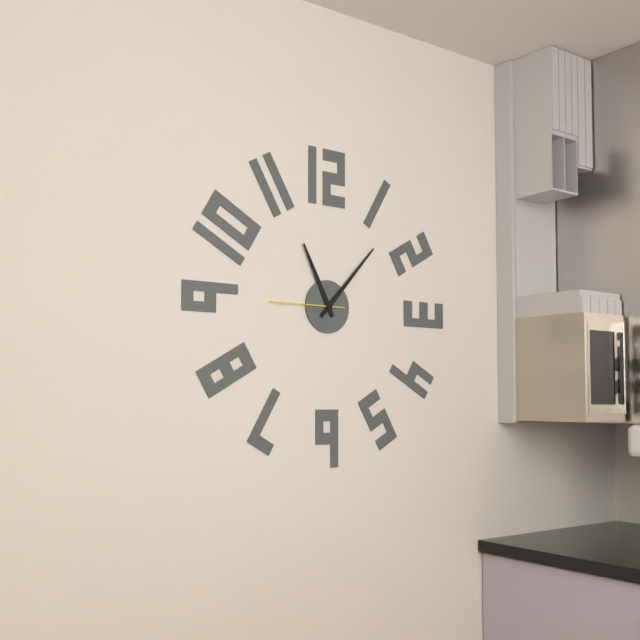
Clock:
11:07:45
